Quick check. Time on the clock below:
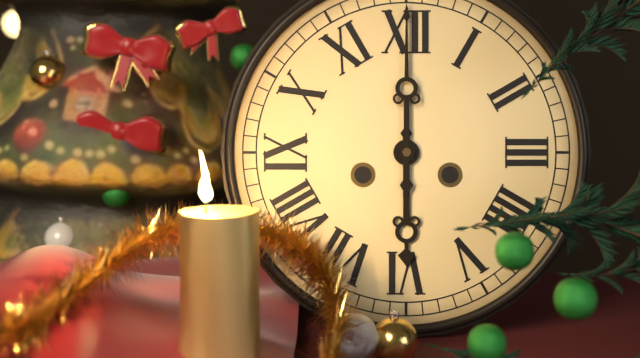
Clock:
6:00
